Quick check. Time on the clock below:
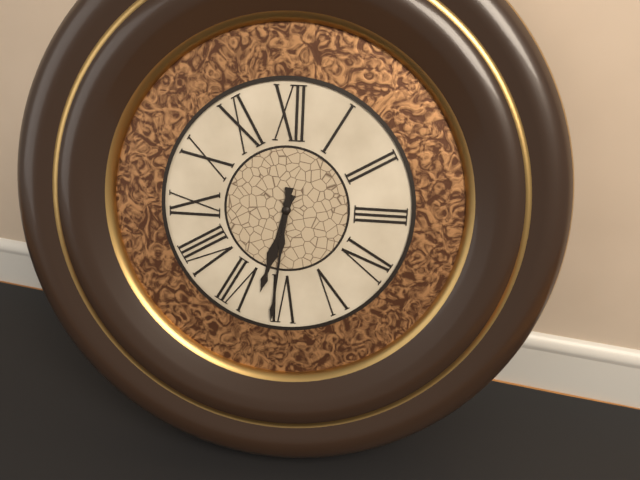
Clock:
6:31
